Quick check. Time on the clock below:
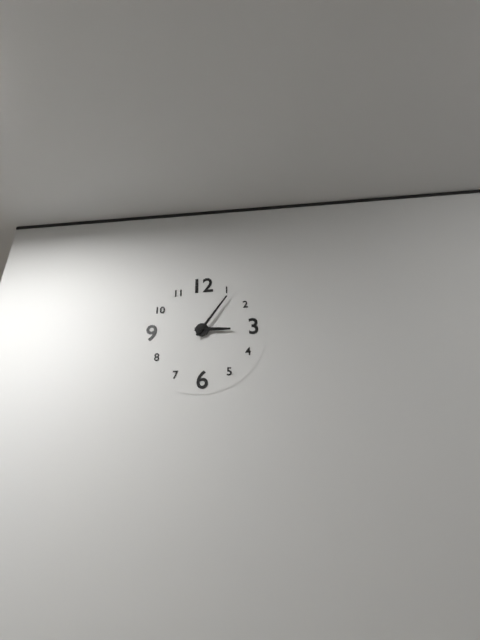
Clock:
3:06
